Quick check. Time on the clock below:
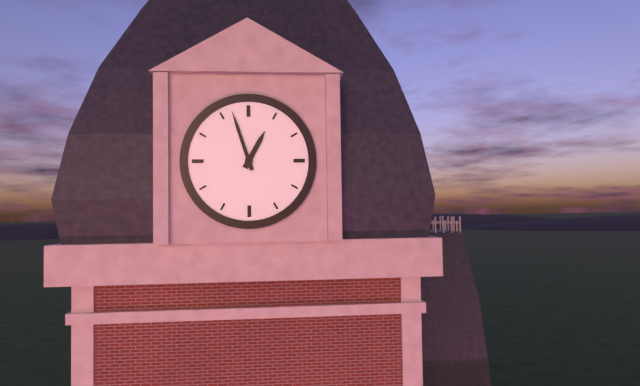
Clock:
12:57
